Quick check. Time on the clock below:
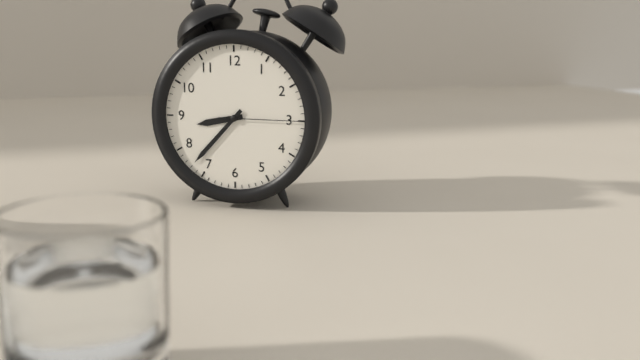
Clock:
8:37:15
